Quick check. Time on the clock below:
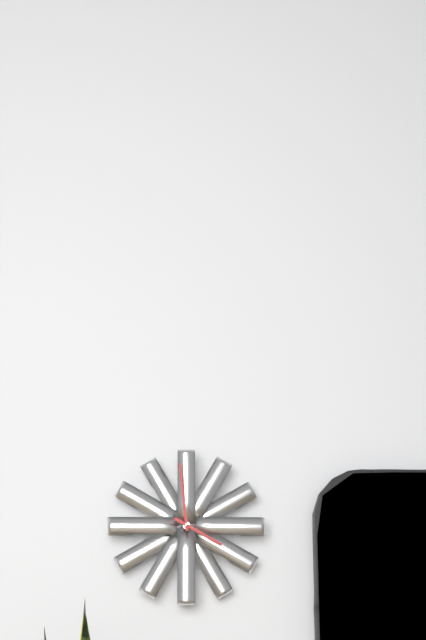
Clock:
3:59
